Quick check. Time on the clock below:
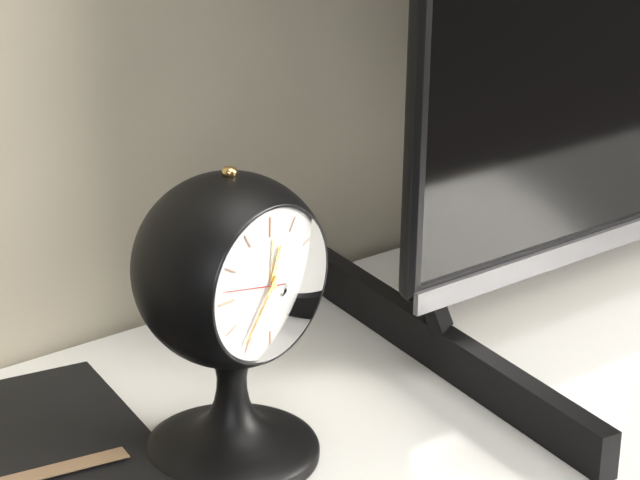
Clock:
12:36:47
